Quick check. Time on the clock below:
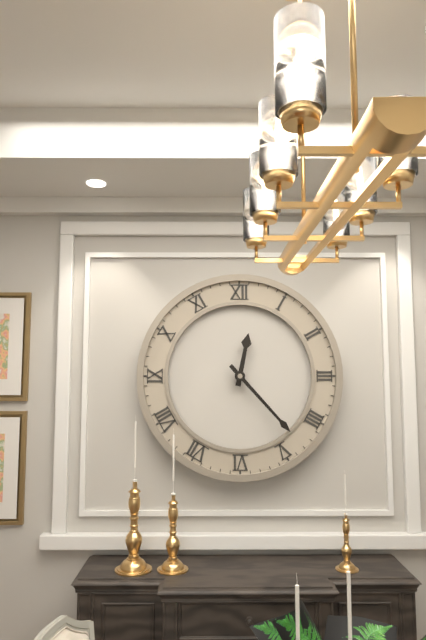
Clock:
12:23
